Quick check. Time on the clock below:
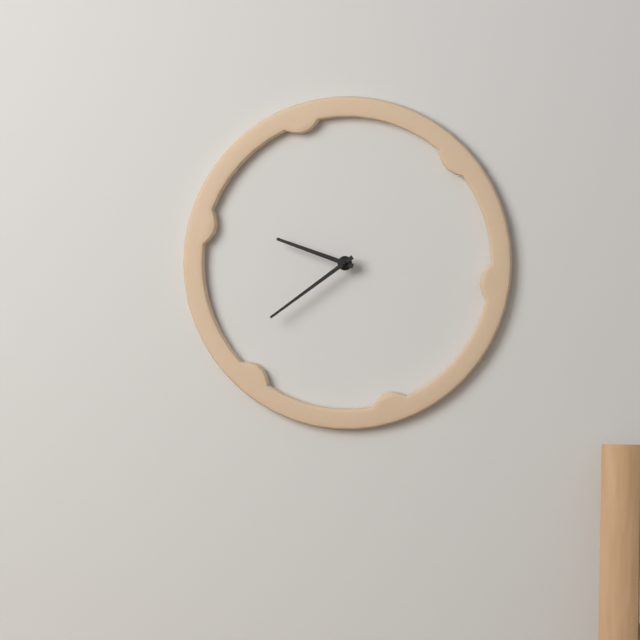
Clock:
9:39
